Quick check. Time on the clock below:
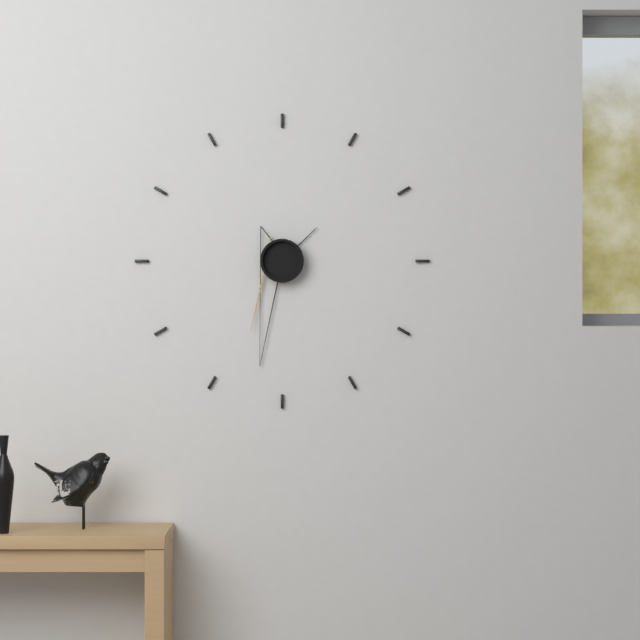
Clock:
1:32:34
